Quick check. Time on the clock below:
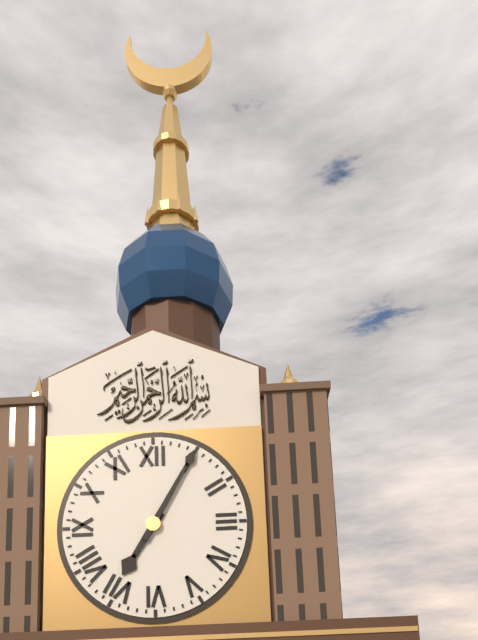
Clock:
7:05
